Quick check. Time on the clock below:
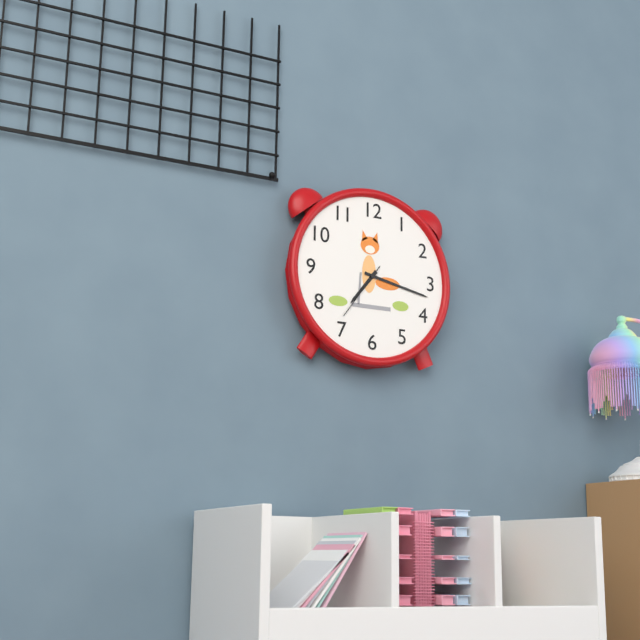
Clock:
7:17:36
